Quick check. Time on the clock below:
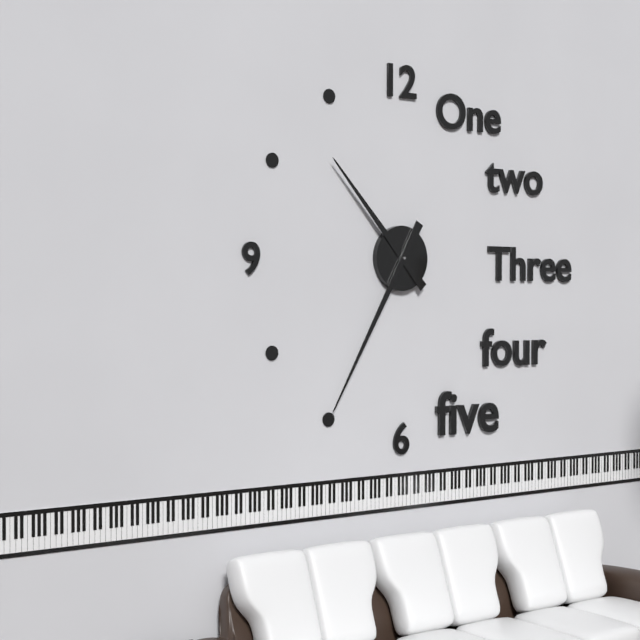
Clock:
10:35
